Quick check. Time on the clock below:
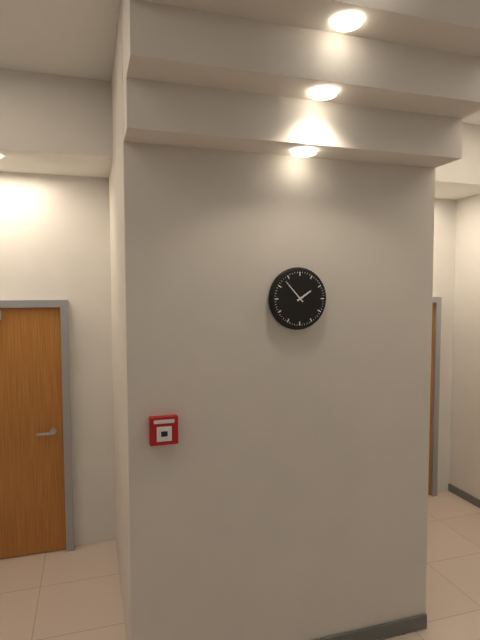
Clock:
1:53
